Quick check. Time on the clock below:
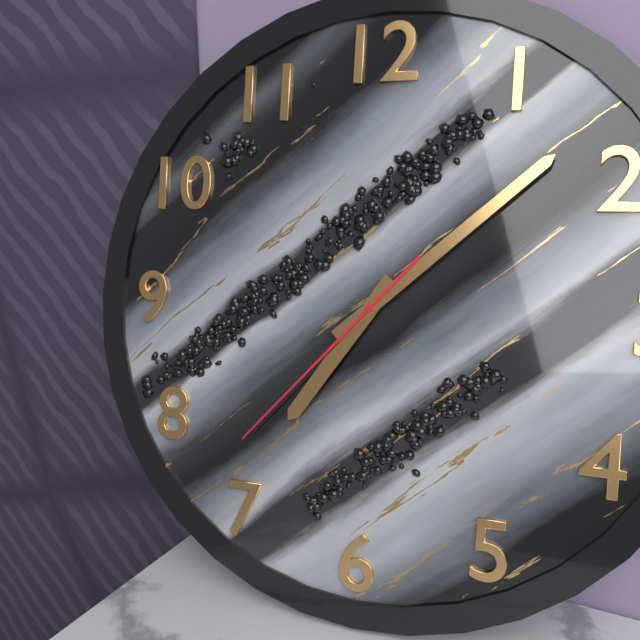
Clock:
7:08:37
